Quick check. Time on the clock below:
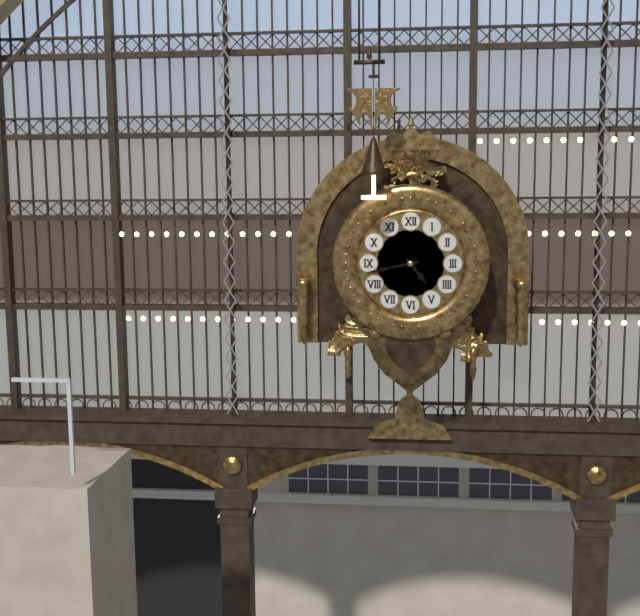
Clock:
4:43
